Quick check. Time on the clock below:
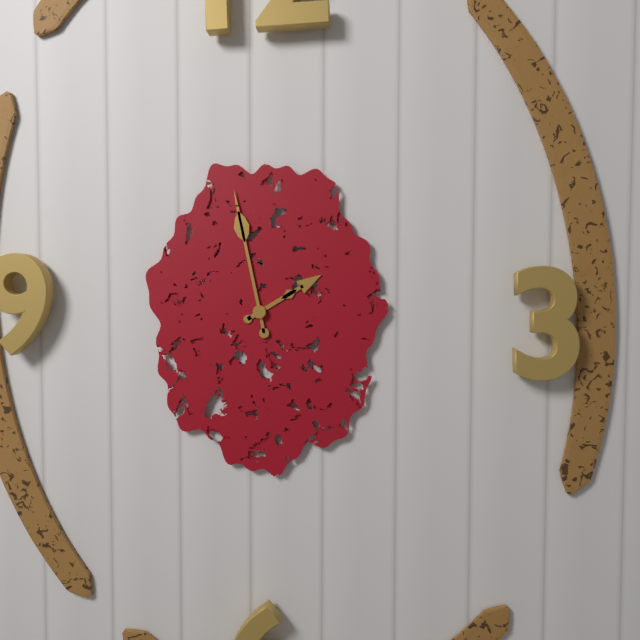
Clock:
1:58
